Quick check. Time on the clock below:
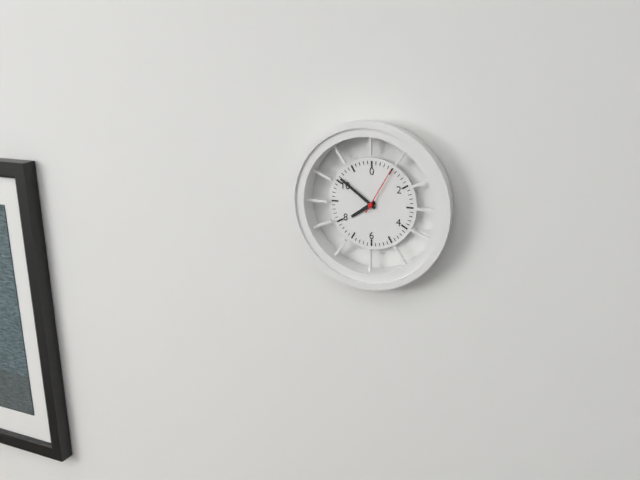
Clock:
7:51:05
